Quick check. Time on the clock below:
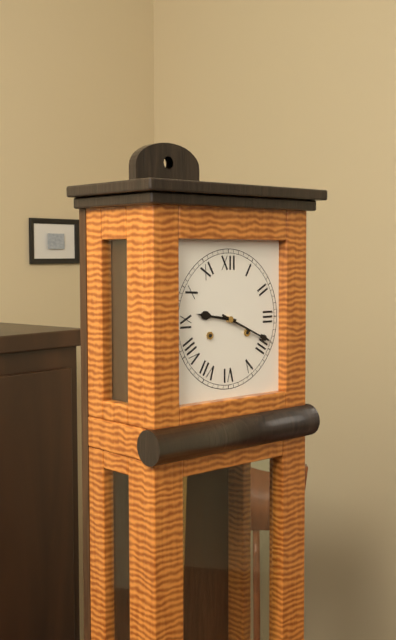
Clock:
9:19
